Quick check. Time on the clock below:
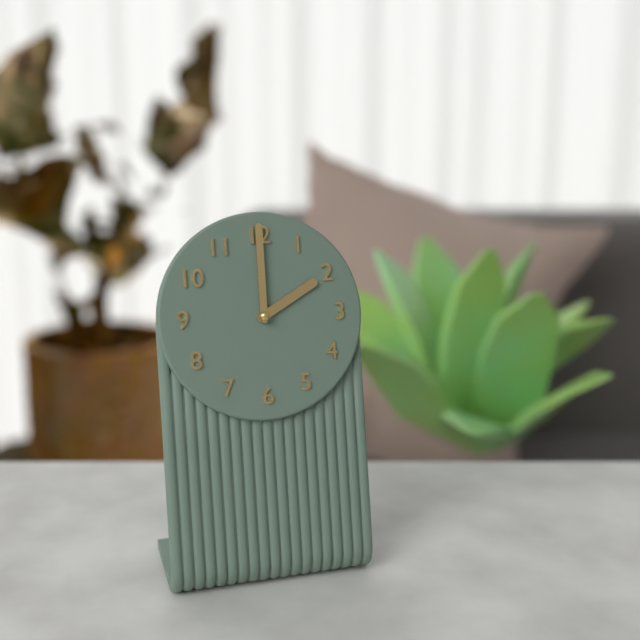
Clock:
2:00
